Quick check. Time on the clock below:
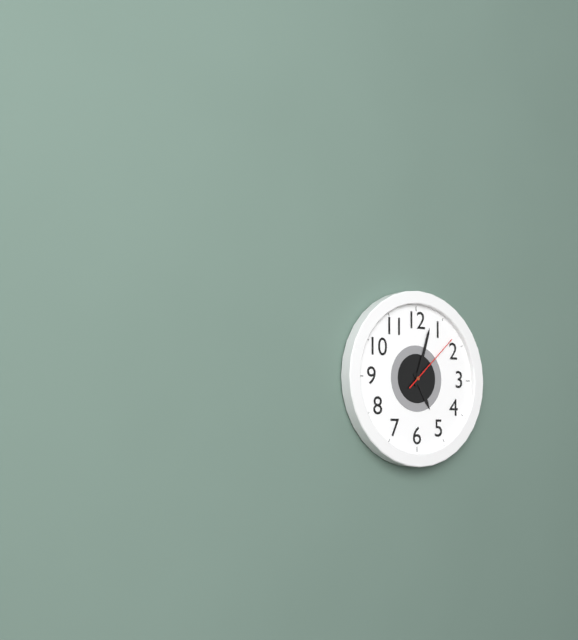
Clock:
5:03:08
